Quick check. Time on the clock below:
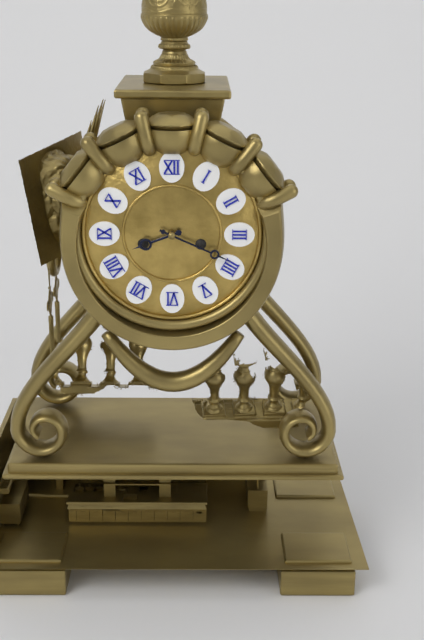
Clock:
8:19
